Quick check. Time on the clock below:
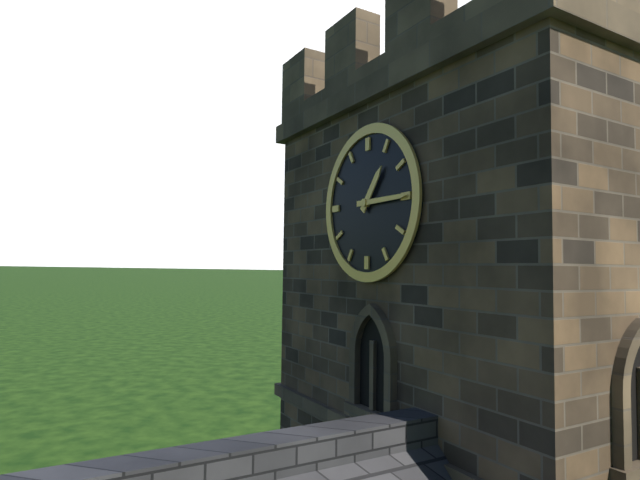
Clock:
1:15
